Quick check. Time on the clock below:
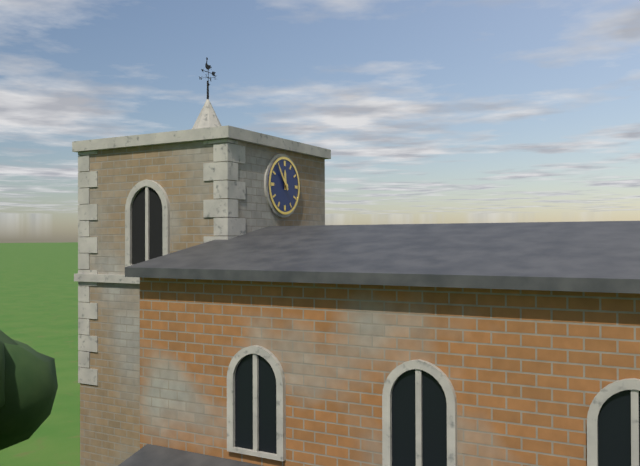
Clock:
11:54
